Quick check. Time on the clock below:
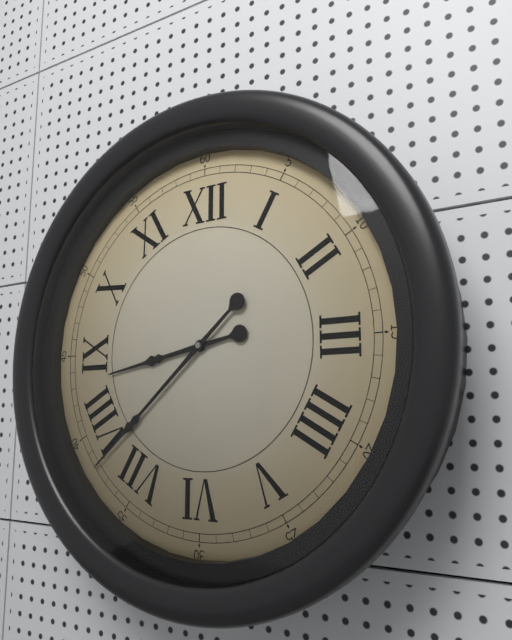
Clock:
8:38
